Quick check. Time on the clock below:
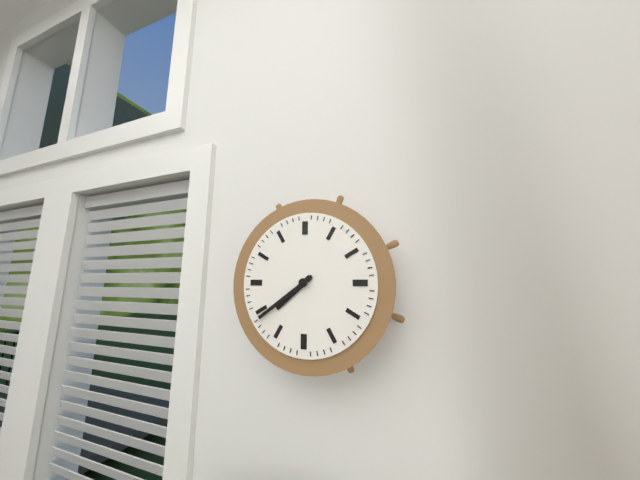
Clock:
7:39
